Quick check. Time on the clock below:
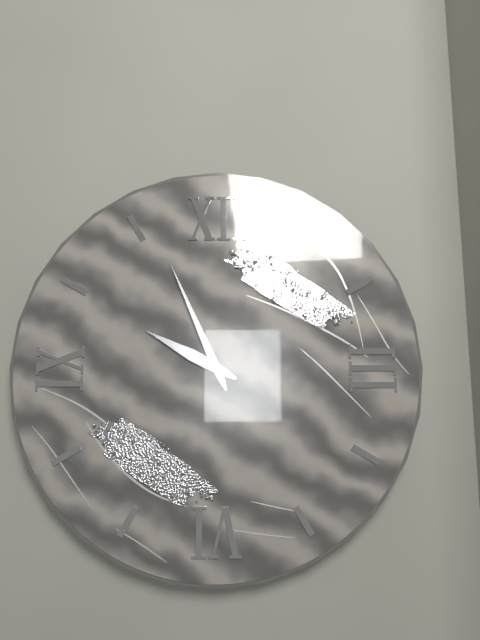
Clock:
9:56
